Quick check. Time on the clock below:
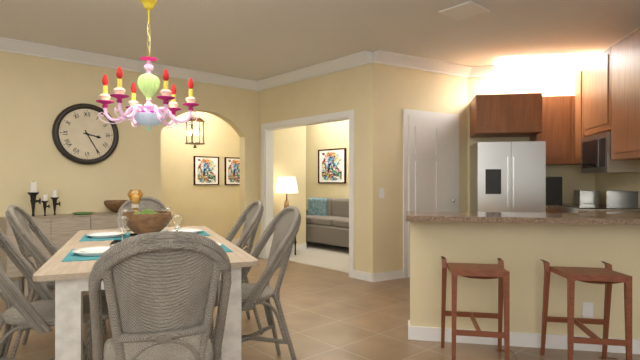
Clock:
3:25
